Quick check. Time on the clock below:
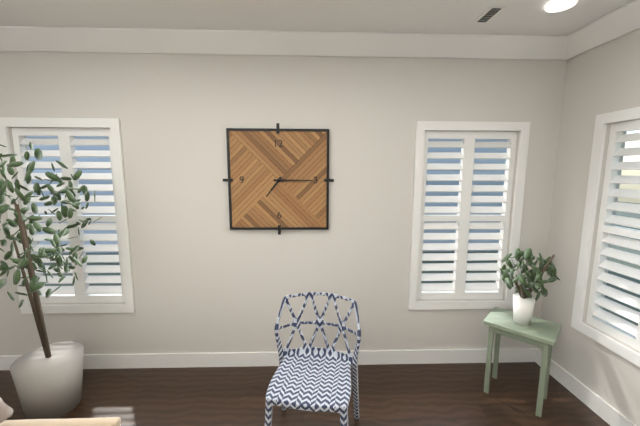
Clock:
7:15
